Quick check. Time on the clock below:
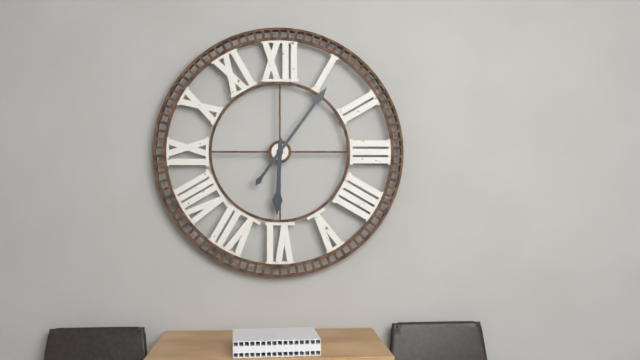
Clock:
6:06
